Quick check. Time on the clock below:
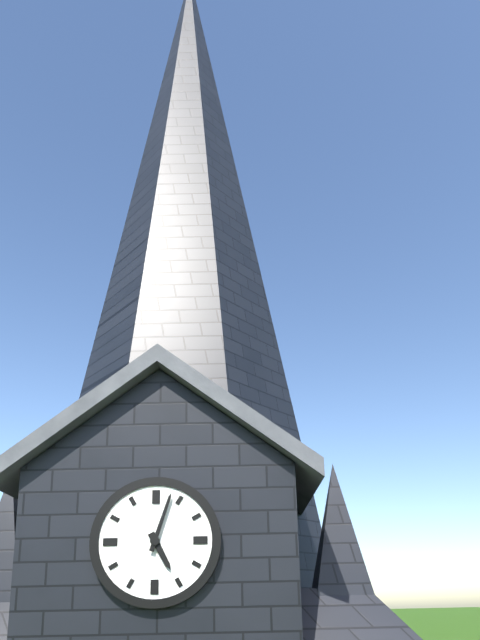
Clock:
5:03
